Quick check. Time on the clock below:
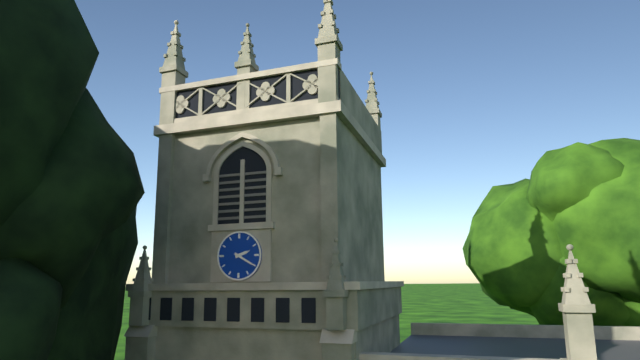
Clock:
2:20
